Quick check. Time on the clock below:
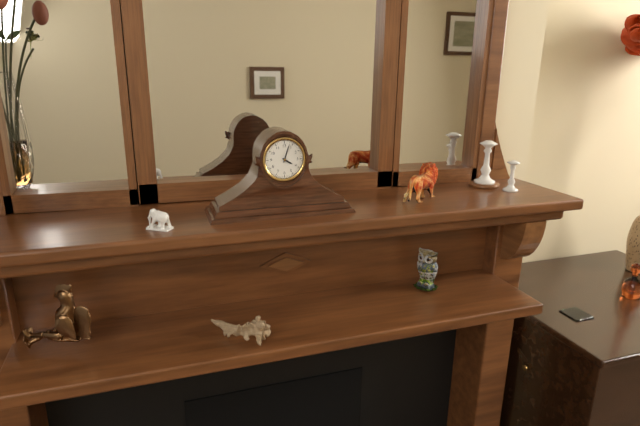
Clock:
4:03
